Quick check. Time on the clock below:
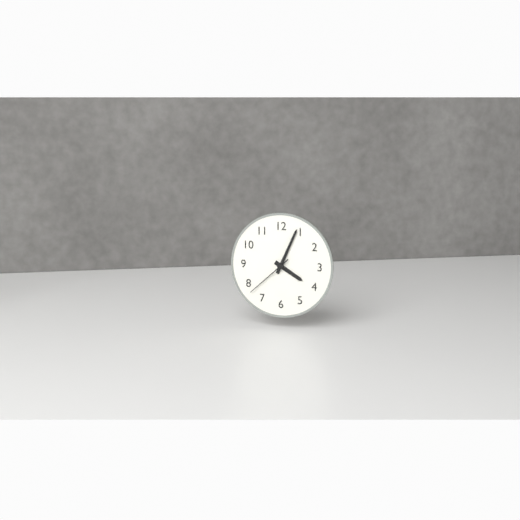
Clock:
4:04
